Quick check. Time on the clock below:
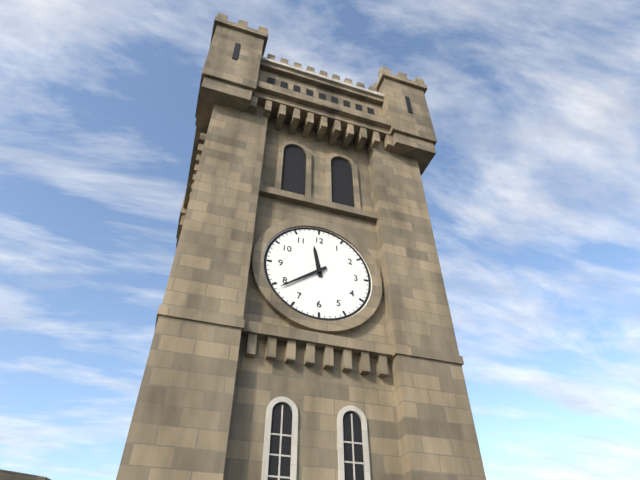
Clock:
11:39
